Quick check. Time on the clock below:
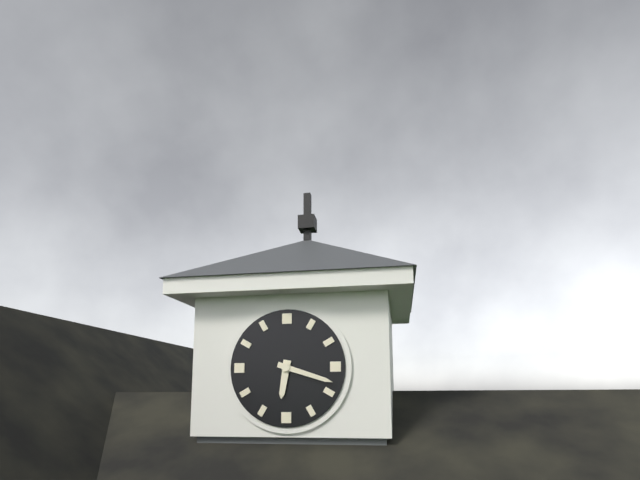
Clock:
6:18
